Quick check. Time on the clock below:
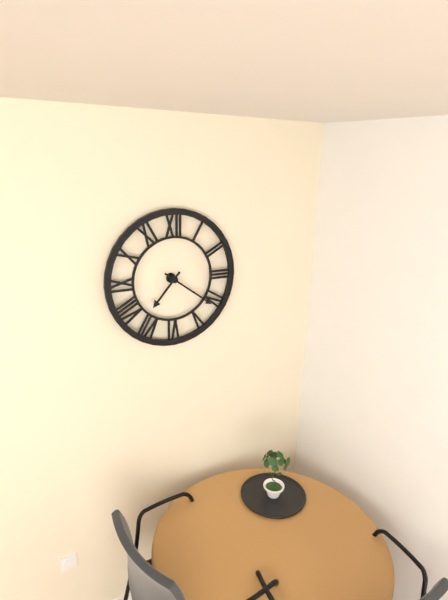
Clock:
7:21
